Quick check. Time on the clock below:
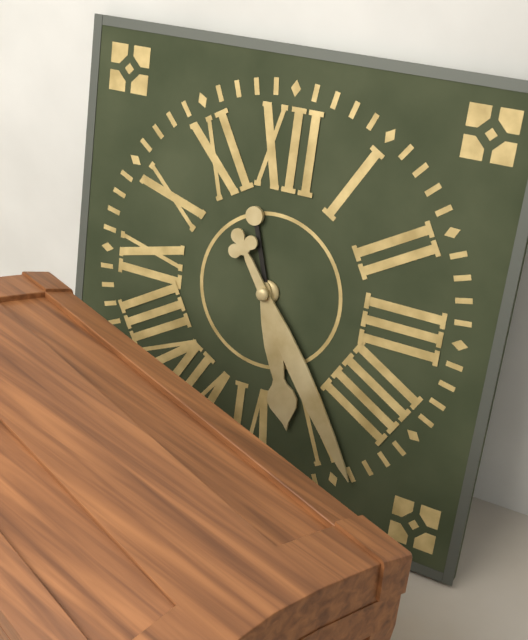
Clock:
5:24
